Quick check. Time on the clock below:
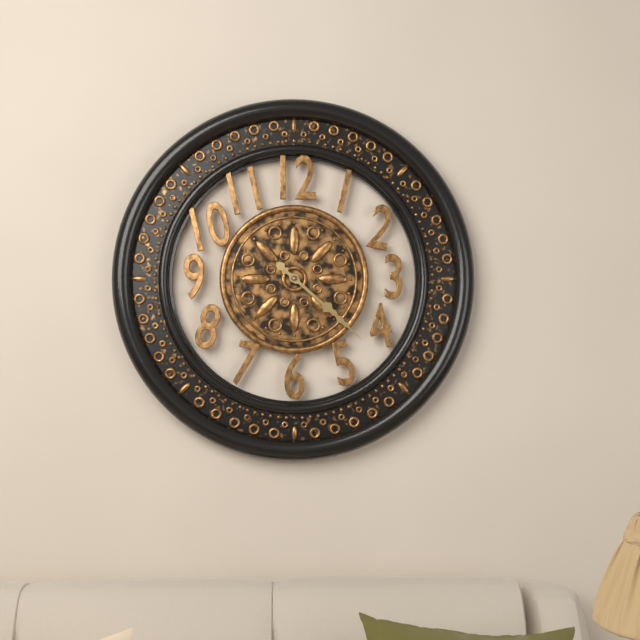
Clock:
4:22
